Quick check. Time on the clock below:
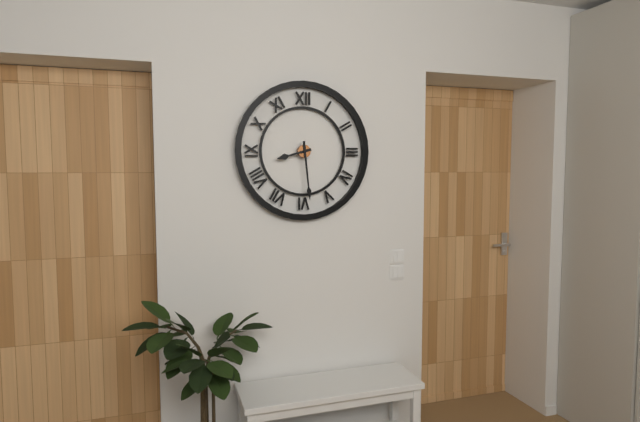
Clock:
8:29
